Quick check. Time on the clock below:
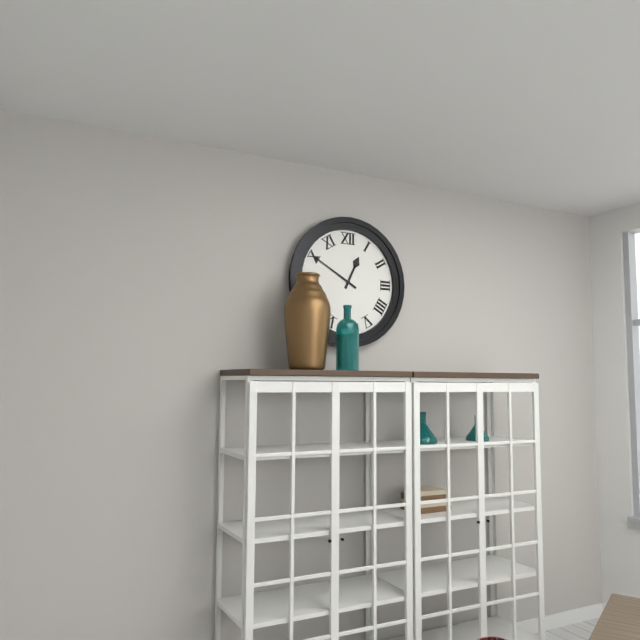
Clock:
12:50
